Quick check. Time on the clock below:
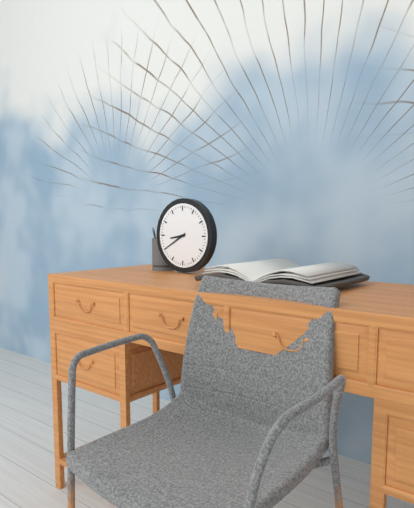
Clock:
8:40
